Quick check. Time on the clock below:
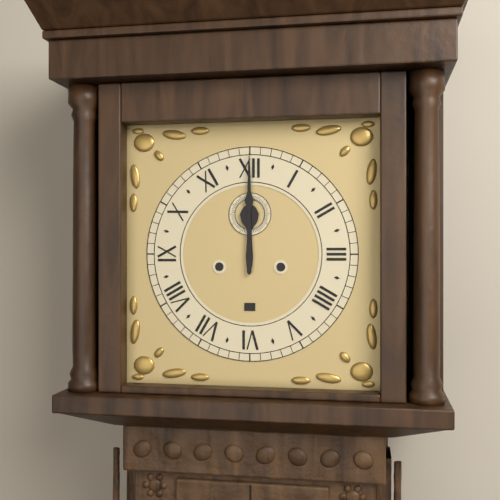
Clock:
12:00
